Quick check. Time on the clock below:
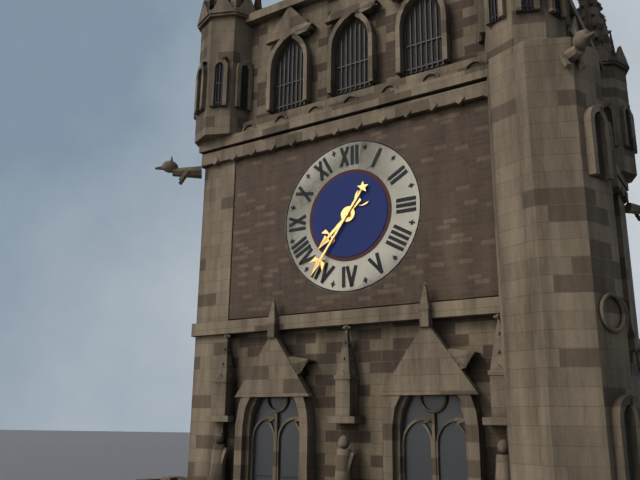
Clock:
7:36
